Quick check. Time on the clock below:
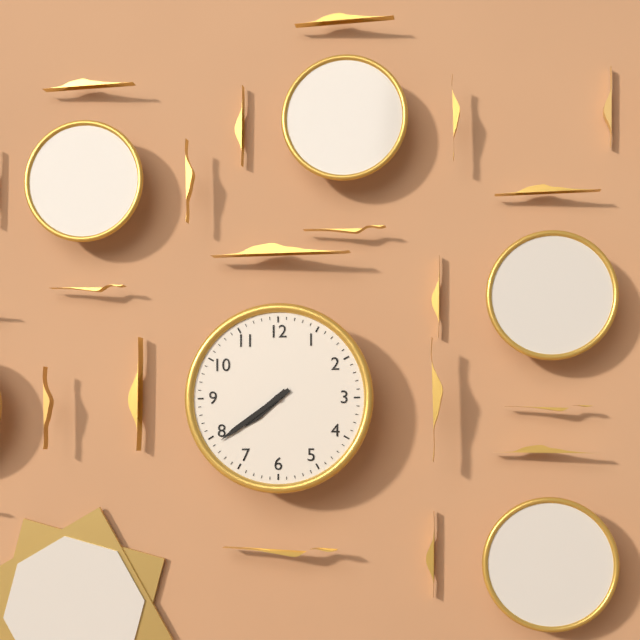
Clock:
7:39
